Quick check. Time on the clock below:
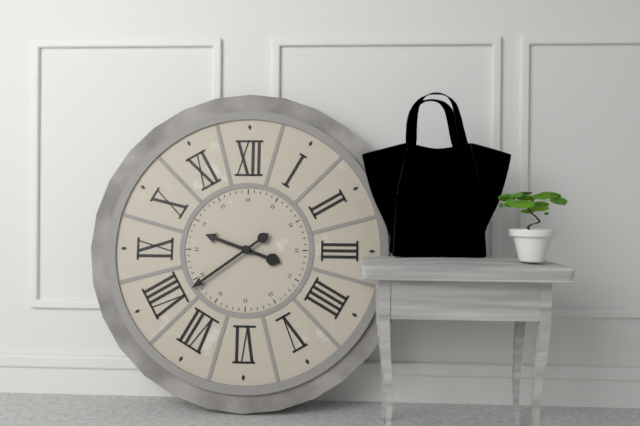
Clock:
9:39
